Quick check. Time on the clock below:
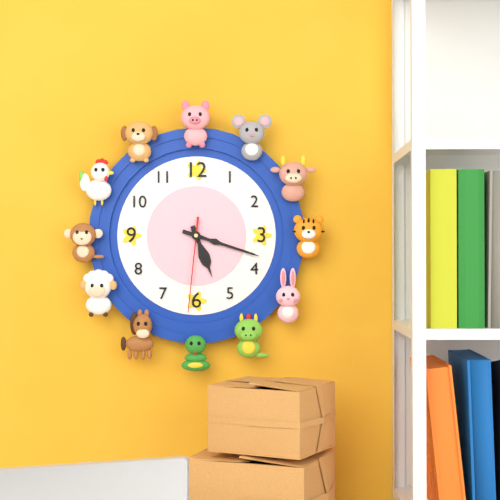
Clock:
5:18:31
